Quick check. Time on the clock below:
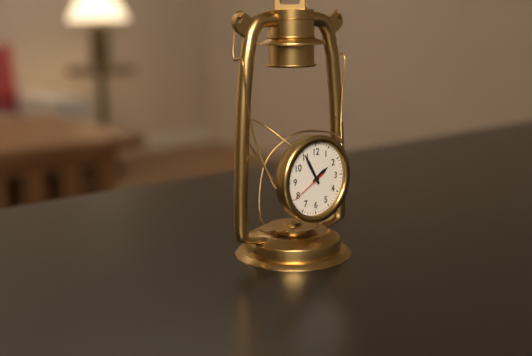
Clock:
1:55
